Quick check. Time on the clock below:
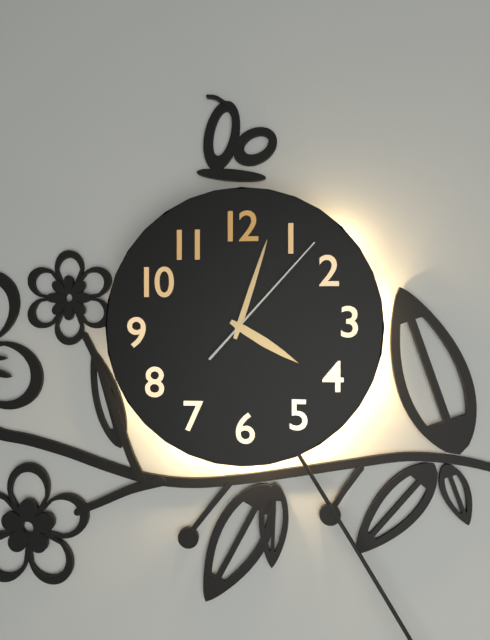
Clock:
4:03:07
